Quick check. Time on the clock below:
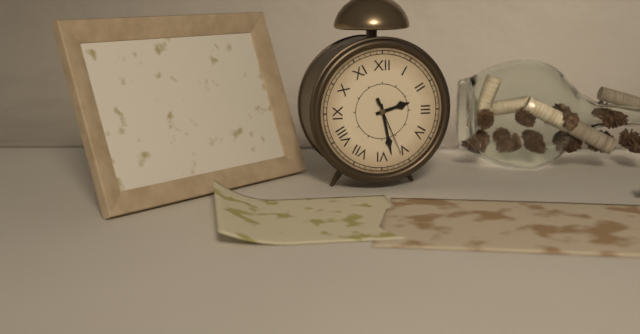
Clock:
2:28:26
